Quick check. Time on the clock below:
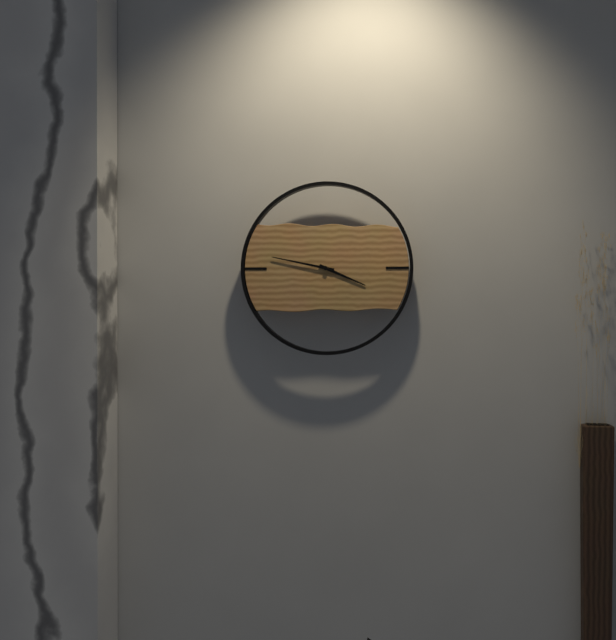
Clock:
3:47
